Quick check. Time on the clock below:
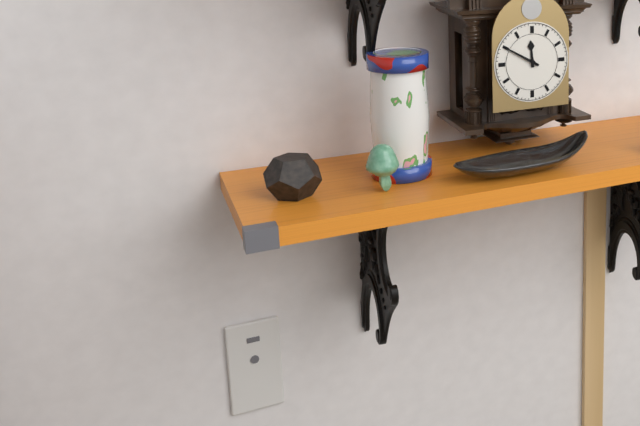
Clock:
11:50
